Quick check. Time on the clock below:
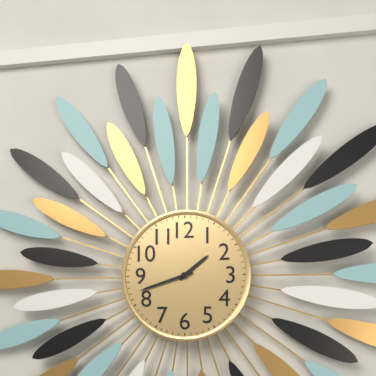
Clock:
1:42
